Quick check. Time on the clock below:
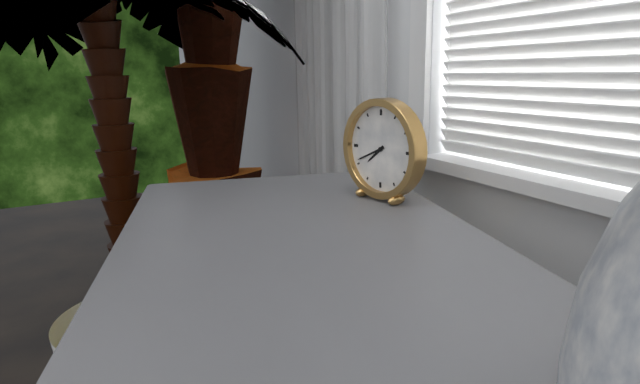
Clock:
7:41
